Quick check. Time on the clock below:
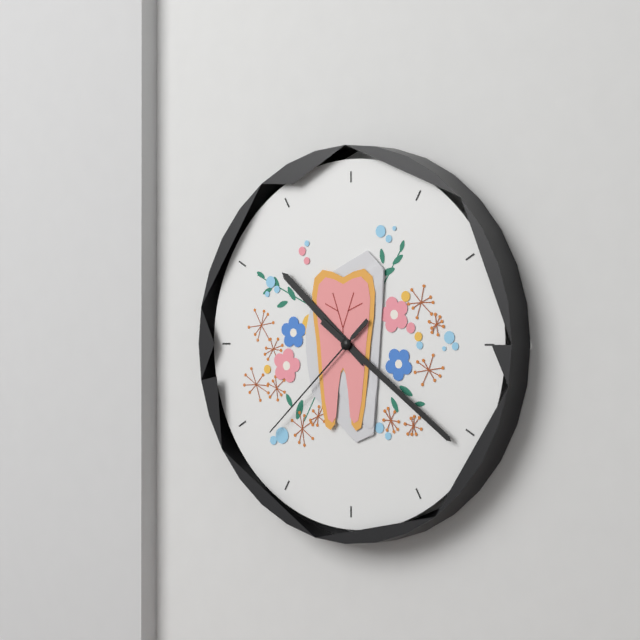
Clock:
10:21:38
